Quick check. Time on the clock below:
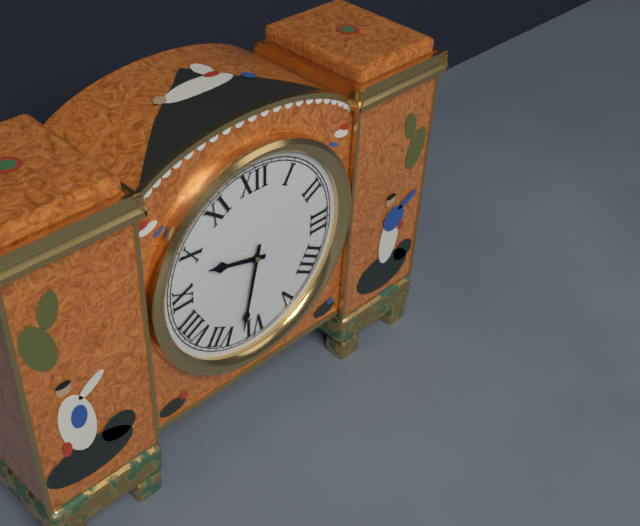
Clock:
9:32
